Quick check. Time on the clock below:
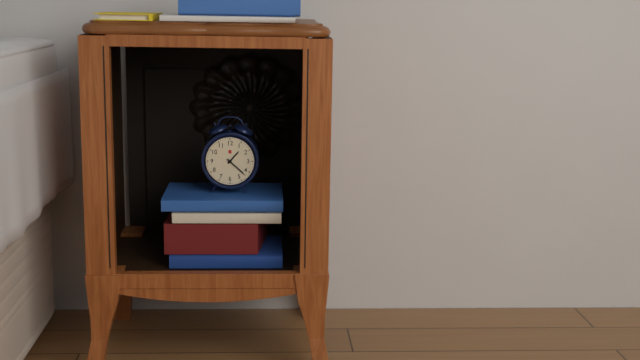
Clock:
1:22
